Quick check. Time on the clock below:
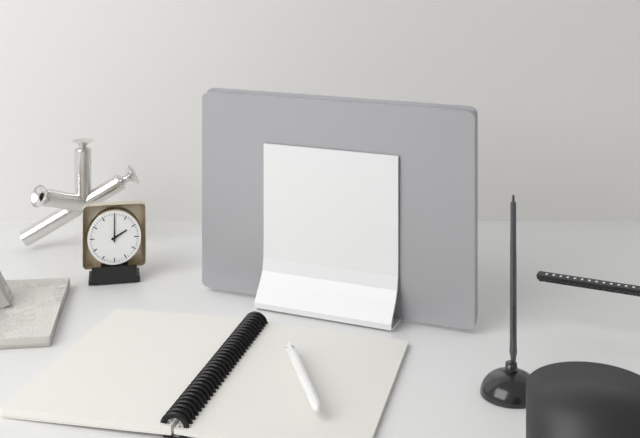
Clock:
2:00
